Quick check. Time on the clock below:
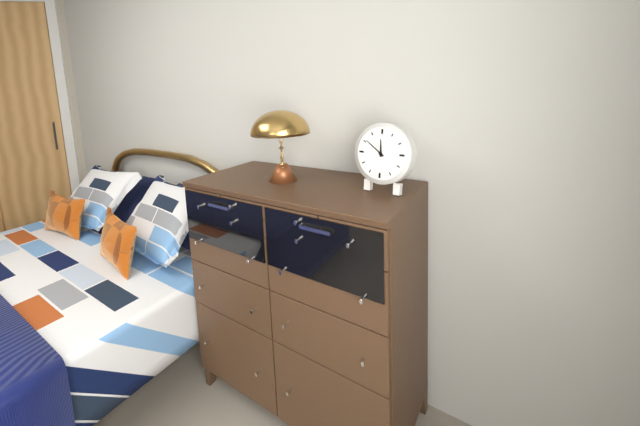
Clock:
11:51
